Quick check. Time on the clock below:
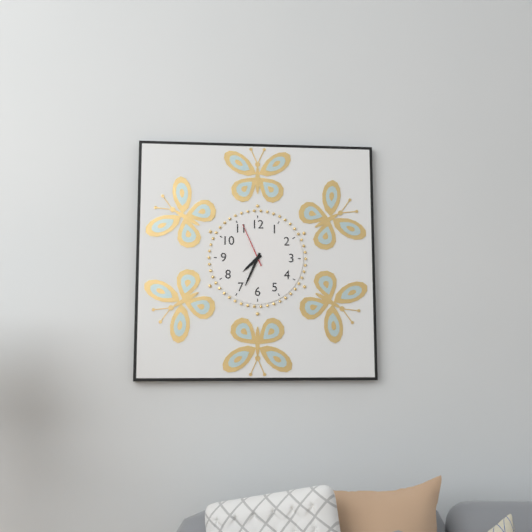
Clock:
7:34
